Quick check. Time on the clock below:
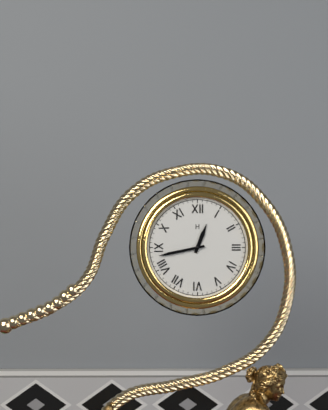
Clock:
12:43
